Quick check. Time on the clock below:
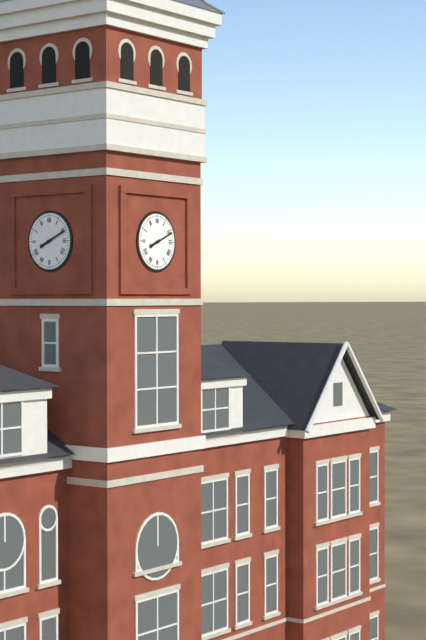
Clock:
8:11
